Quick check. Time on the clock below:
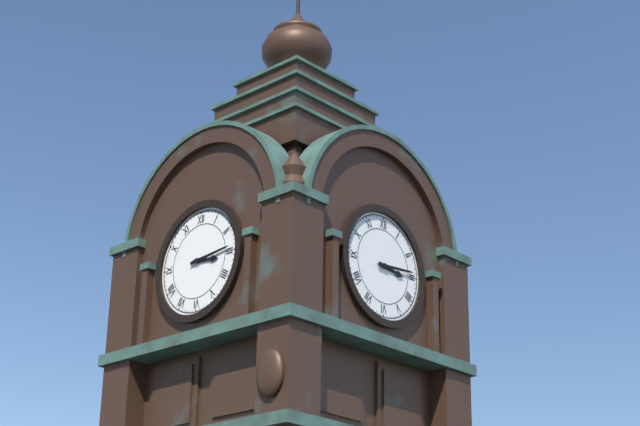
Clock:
3:14
